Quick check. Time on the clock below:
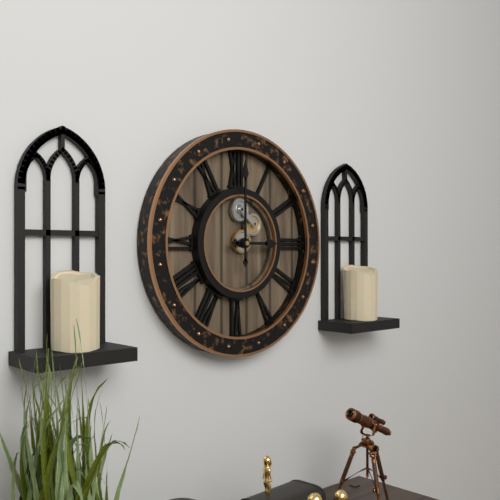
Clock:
3:00
